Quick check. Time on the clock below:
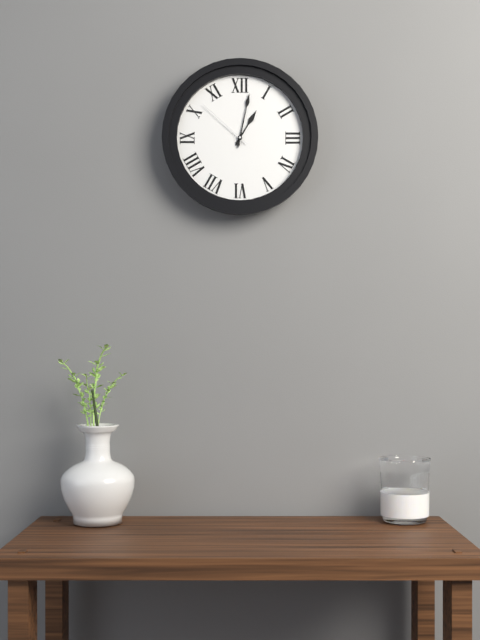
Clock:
1:02:52
